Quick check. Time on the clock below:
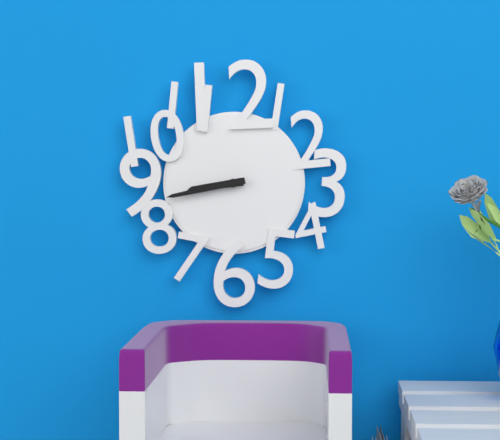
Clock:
8:43
